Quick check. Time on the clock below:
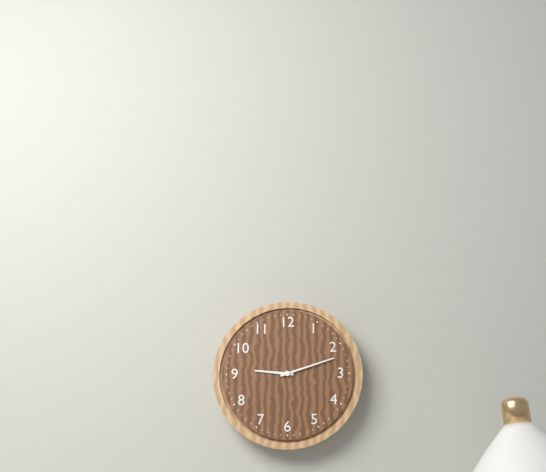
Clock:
9:12
